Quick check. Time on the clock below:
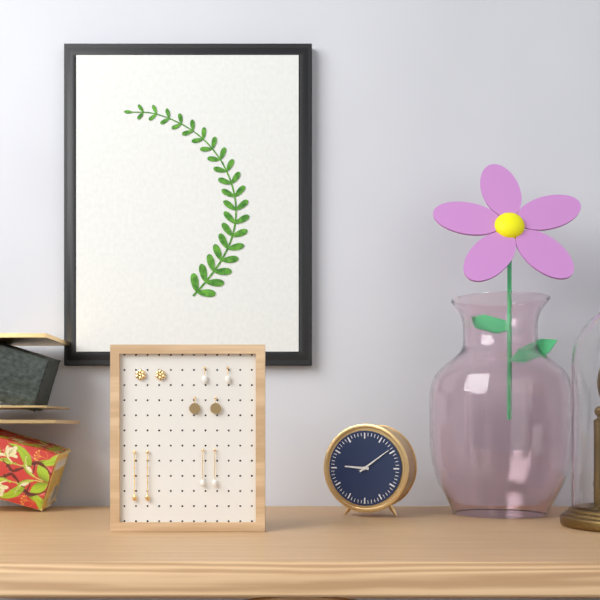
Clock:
9:09
